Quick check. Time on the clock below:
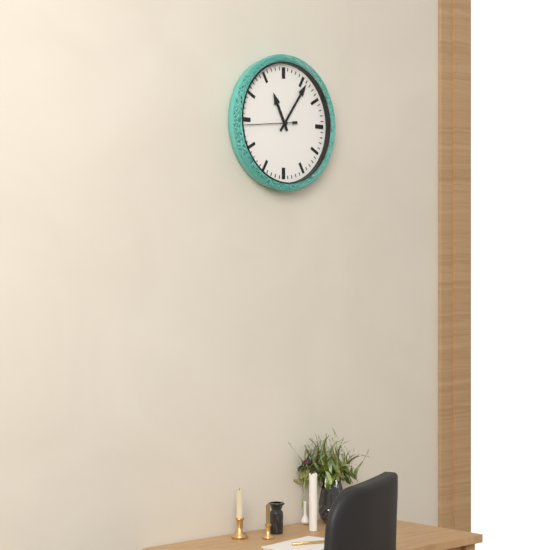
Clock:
11:06
